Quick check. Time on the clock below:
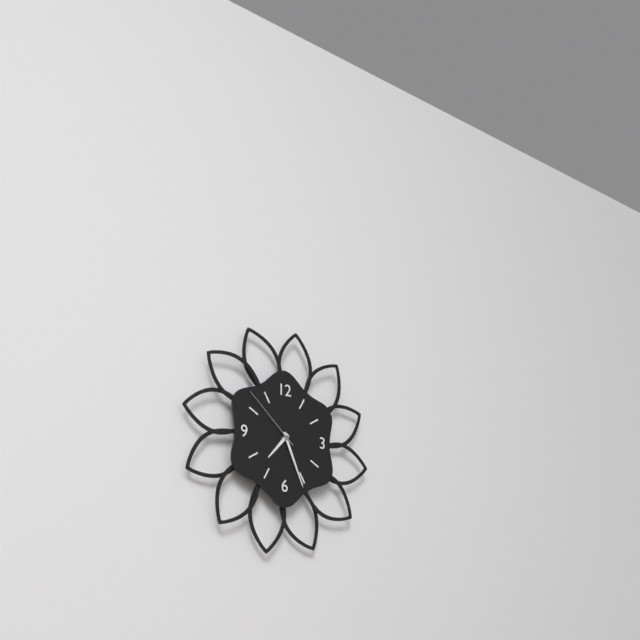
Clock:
7:26:52
